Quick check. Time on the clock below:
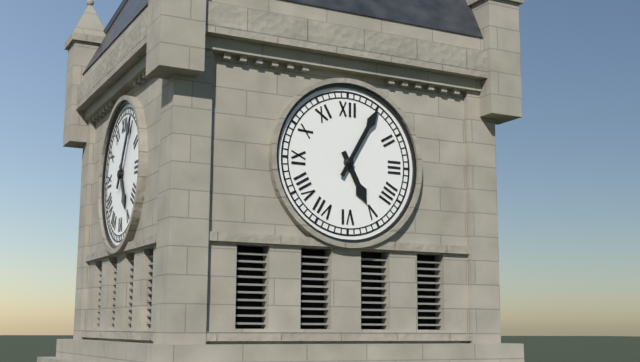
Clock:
5:05
